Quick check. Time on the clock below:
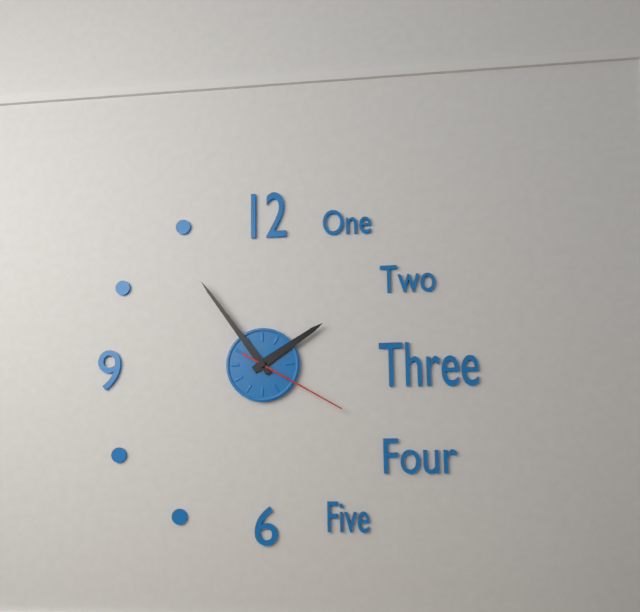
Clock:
1:54:20
